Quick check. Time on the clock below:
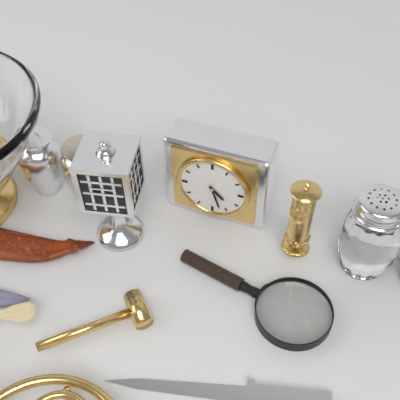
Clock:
4:27
